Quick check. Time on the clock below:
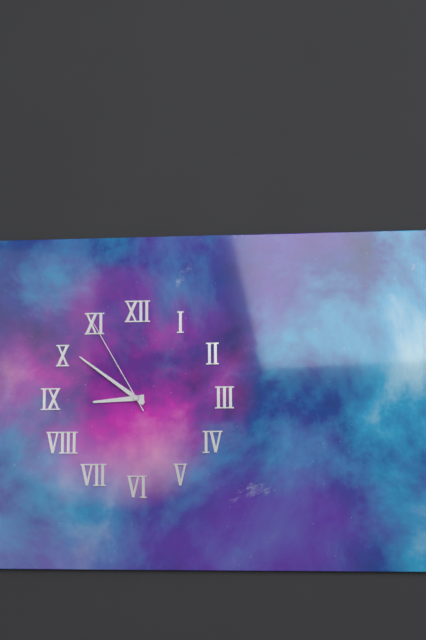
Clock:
8:51:55
